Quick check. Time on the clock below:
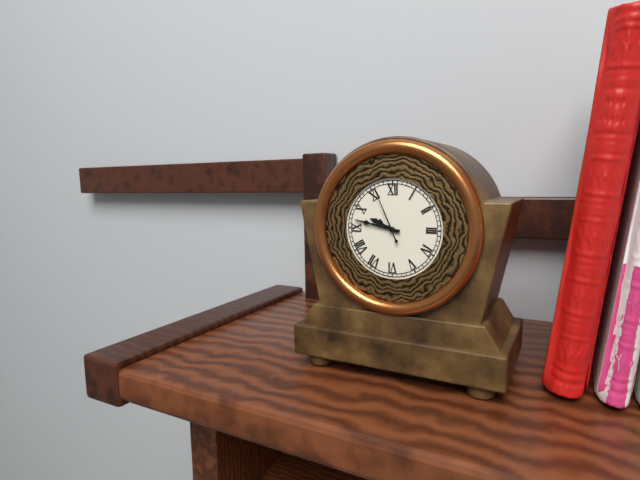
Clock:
9:47:56
